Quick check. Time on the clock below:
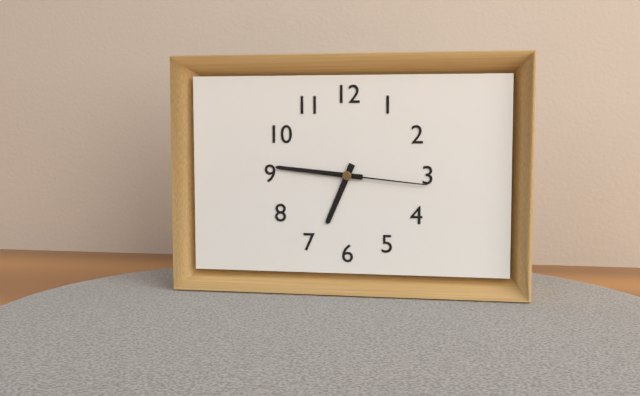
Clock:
6:46:16
